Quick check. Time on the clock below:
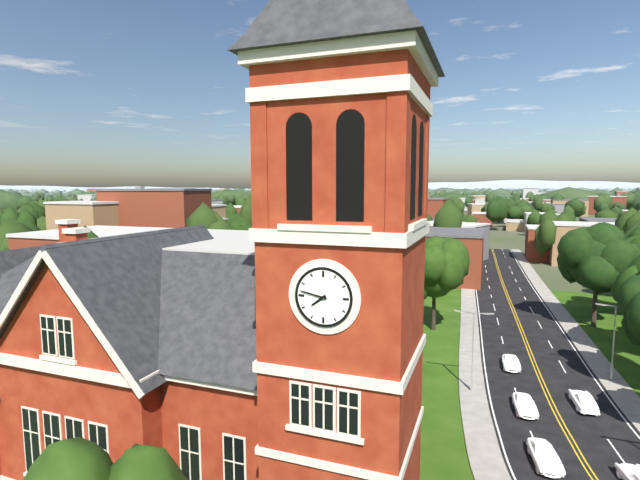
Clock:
7:47
